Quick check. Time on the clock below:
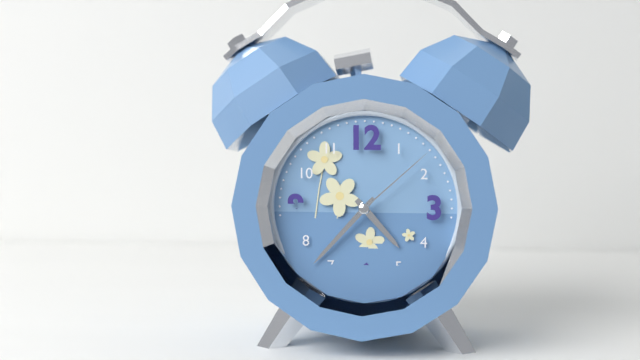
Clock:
4:37:08
